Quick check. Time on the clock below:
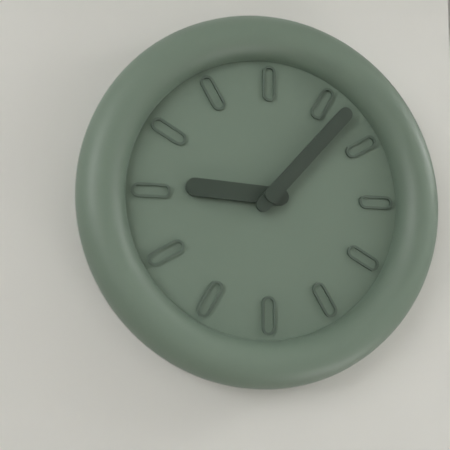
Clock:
9:07
